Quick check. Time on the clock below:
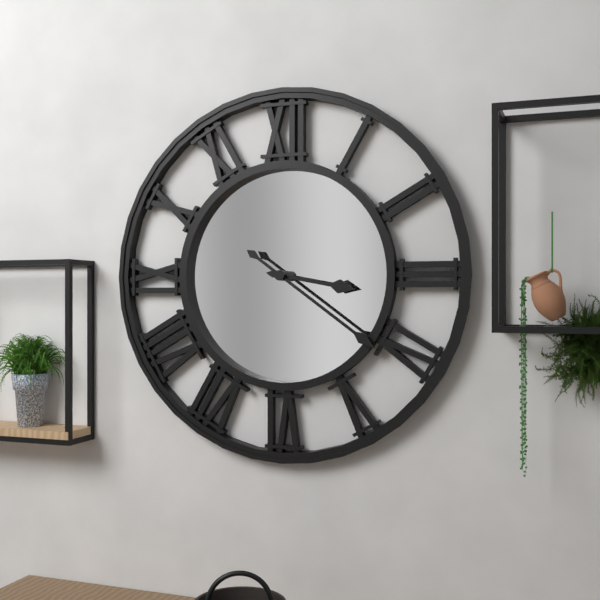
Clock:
3:21
